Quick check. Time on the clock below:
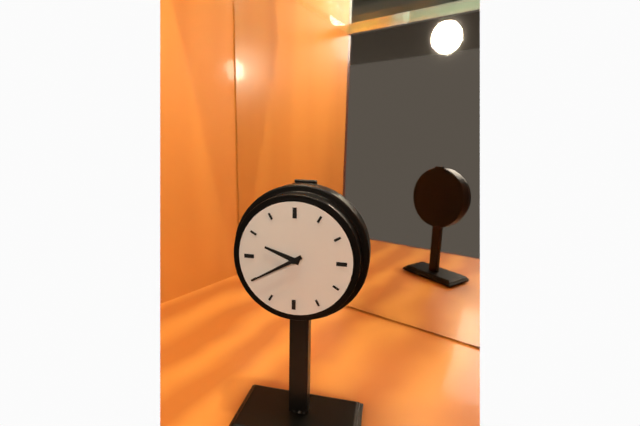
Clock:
9:40
